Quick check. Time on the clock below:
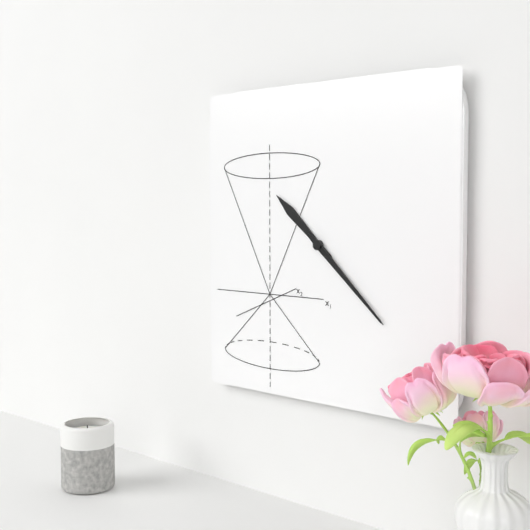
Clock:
10:22
